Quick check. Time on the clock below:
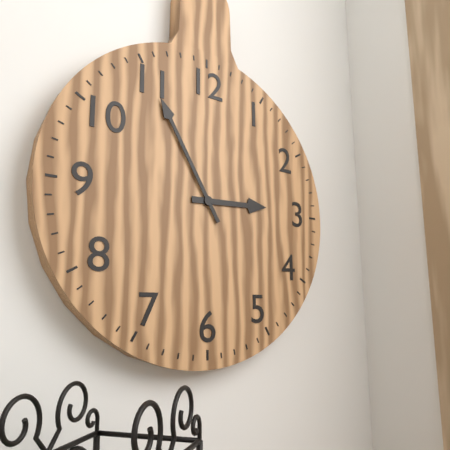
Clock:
2:55
